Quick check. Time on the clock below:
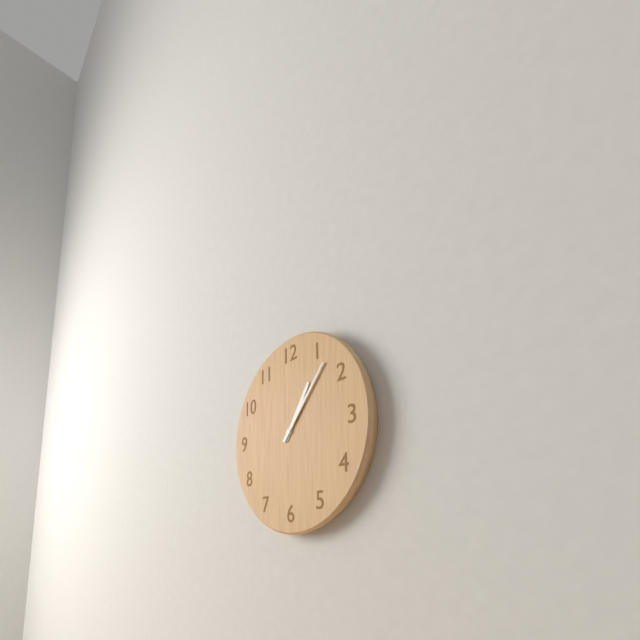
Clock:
1:07
